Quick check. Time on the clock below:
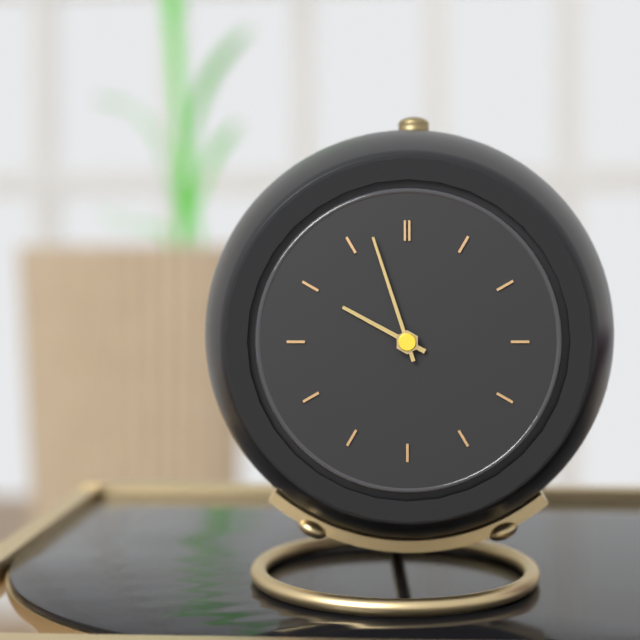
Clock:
9:57
